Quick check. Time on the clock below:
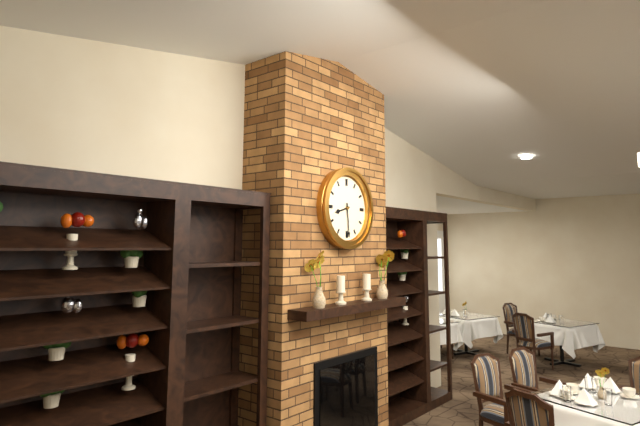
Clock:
8:29
